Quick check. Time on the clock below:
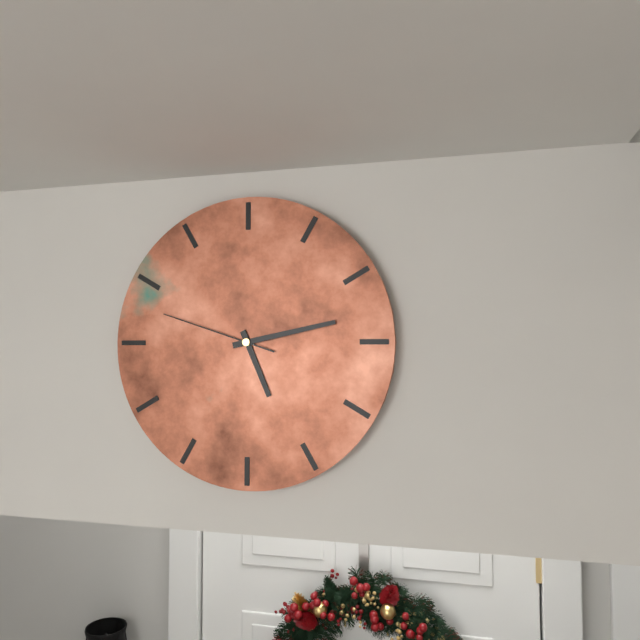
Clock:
5:13:48
